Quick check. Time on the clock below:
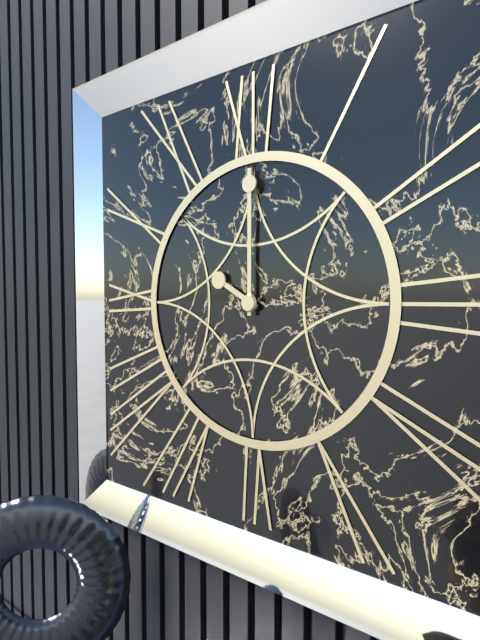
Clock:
10:00
